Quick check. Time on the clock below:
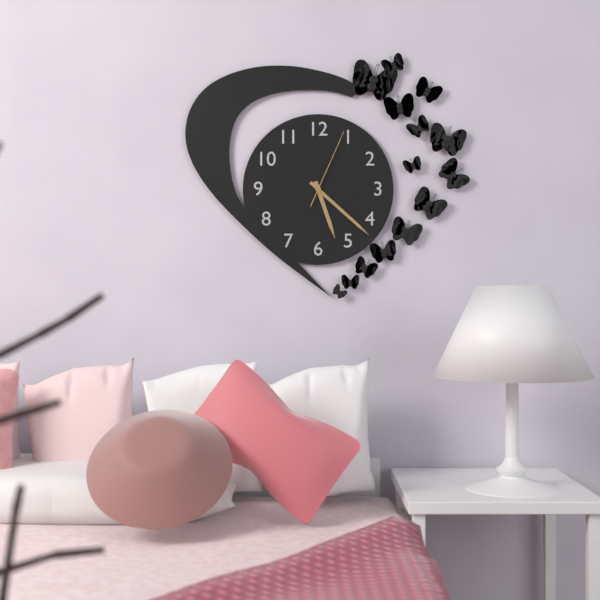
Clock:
5:22:04
